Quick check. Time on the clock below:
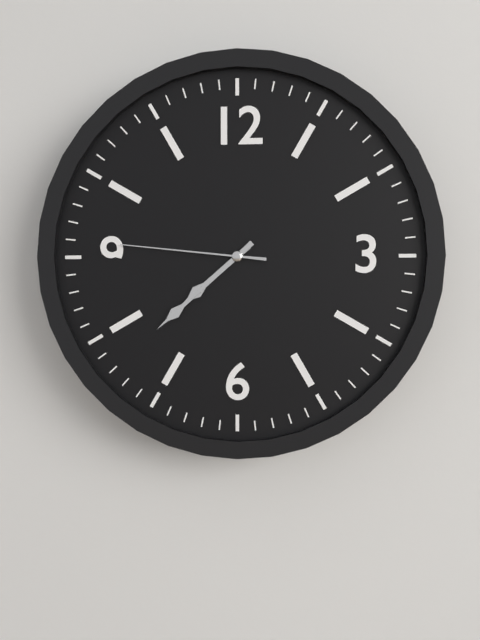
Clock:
7:38:46
